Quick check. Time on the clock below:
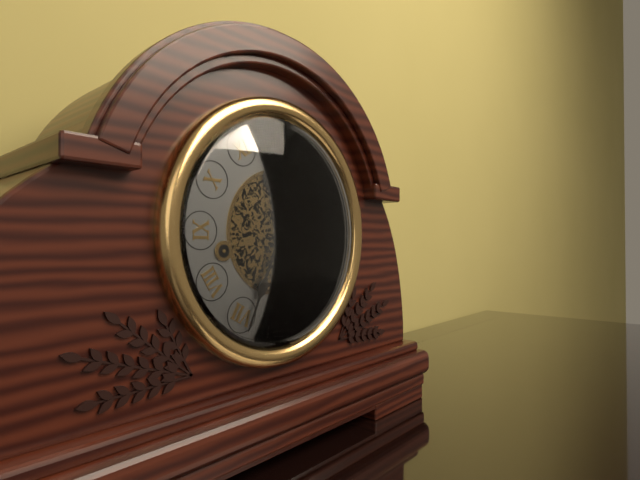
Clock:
11:34
